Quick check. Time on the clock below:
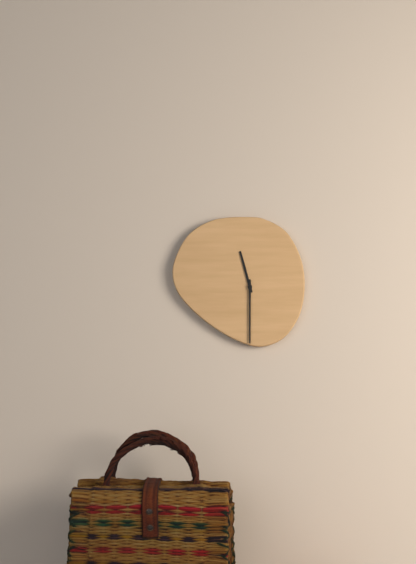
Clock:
11:30
